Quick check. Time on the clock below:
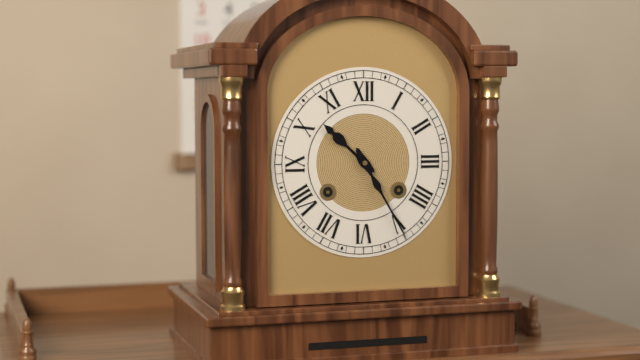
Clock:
10:25
